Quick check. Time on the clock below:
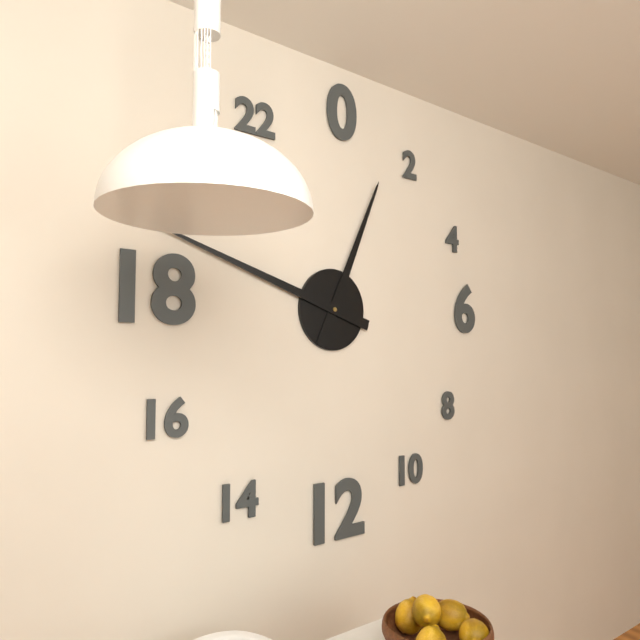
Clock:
12:48
